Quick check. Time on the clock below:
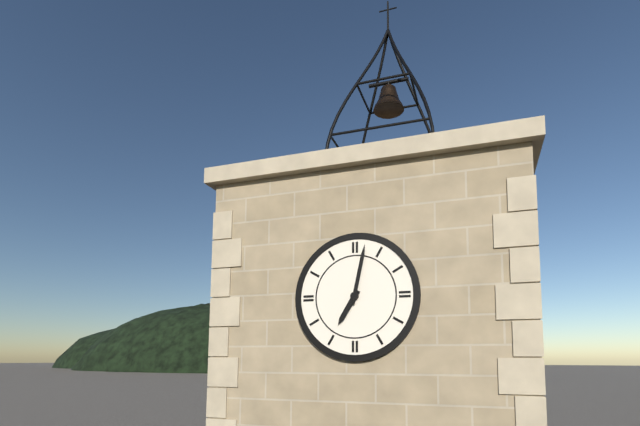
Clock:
7:02
